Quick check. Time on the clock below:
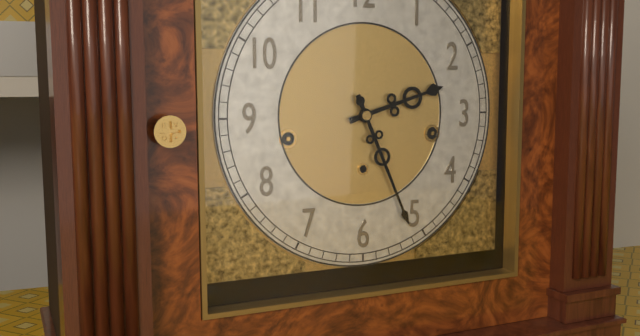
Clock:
2:26
